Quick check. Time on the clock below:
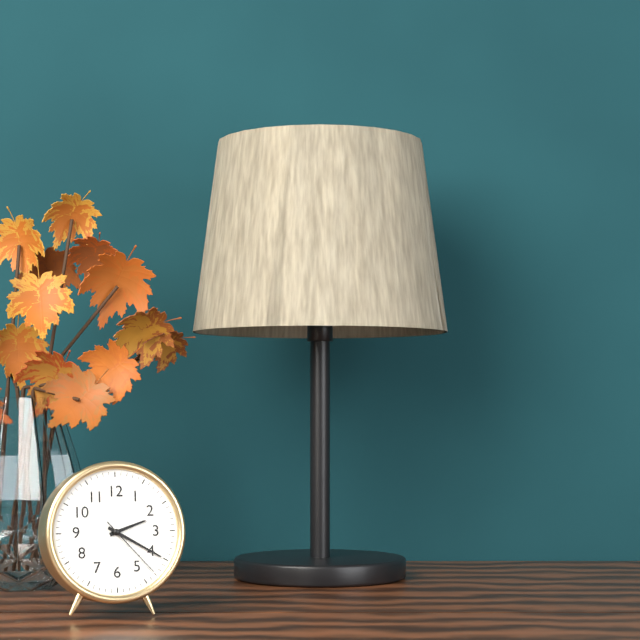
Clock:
2:20:23
